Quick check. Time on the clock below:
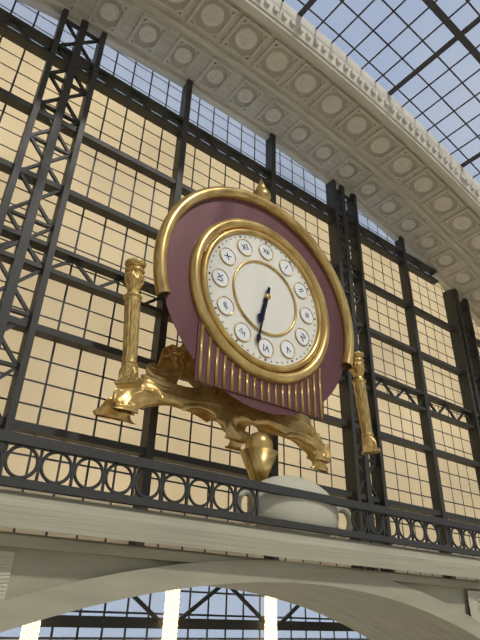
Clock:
6:32
